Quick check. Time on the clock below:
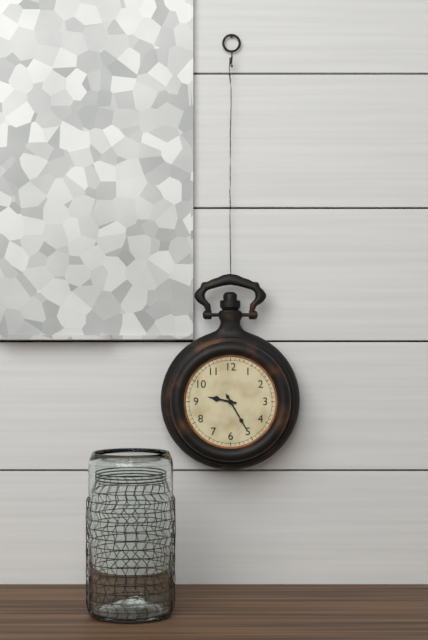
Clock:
9:25
